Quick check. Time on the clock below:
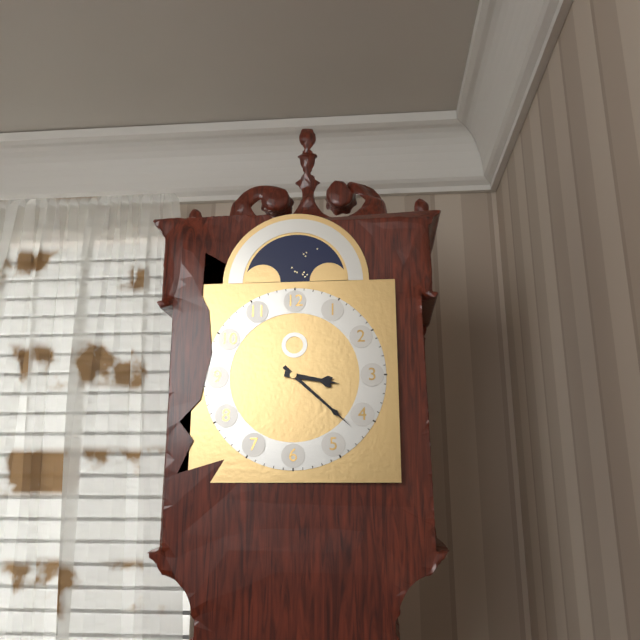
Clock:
3:22
